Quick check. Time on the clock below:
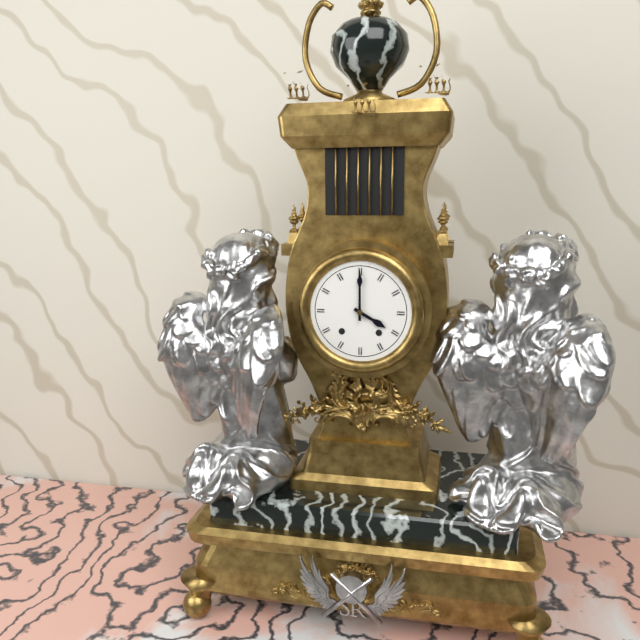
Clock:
4:00
